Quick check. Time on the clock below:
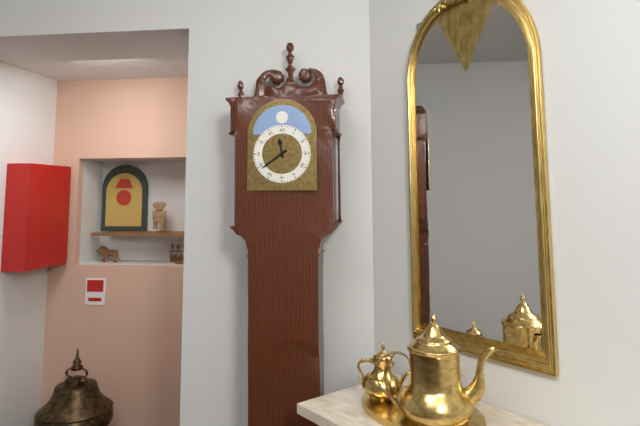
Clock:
11:39
